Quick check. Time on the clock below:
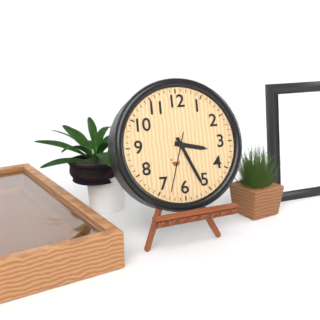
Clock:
3:26:33
